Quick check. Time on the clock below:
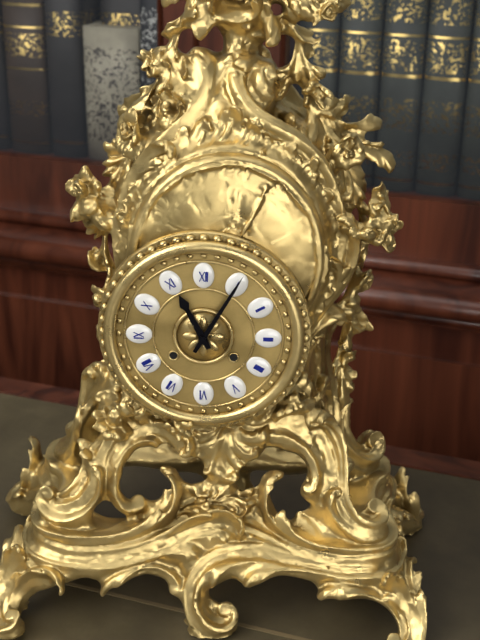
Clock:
11:05
